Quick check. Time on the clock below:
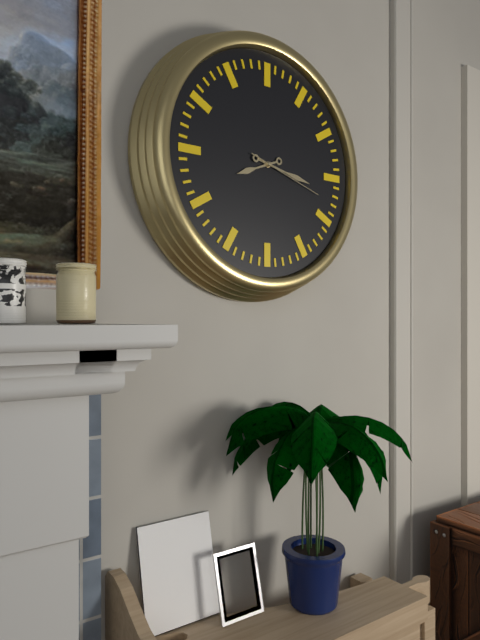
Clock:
8:17:18
